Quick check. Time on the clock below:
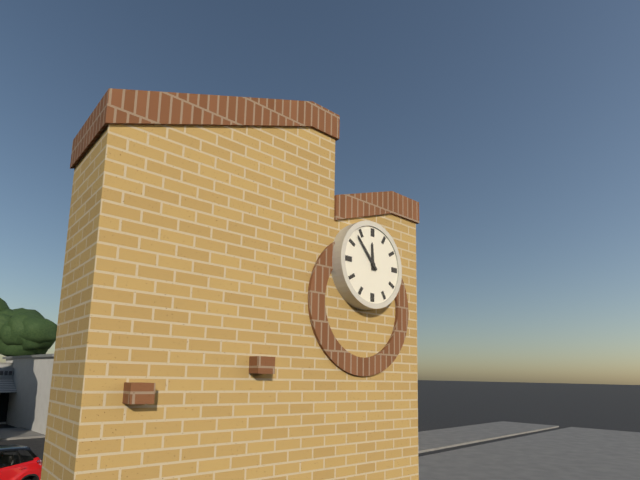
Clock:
11:53
